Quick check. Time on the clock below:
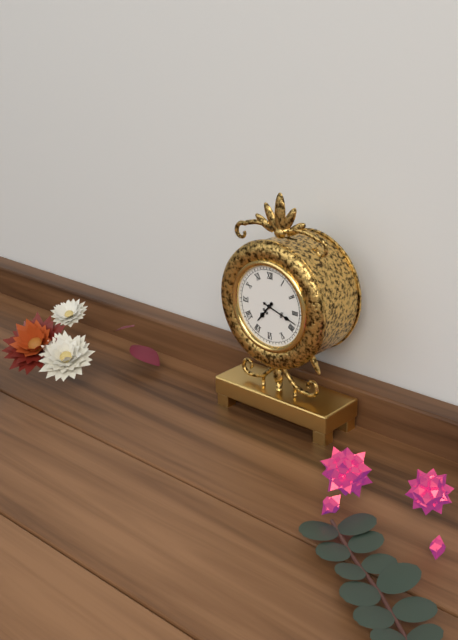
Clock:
7:18
